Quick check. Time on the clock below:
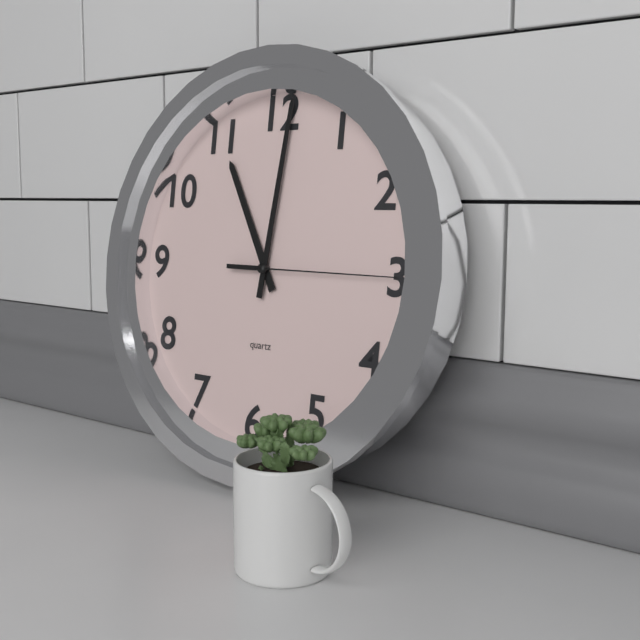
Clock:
11:01:15
